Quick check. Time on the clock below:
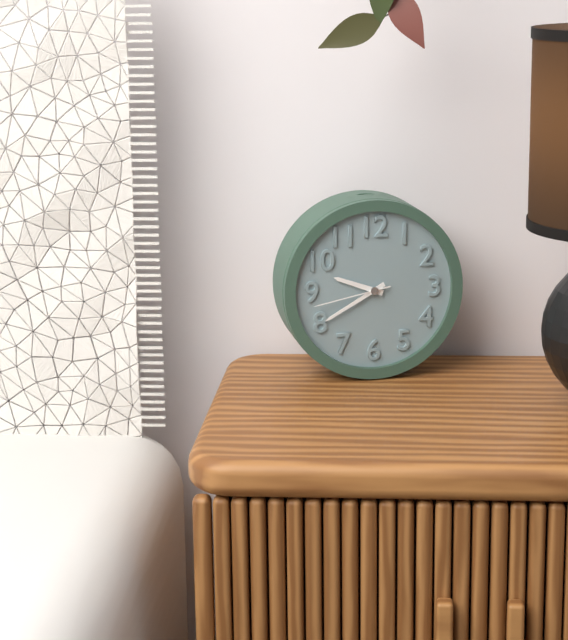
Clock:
9:40:43
